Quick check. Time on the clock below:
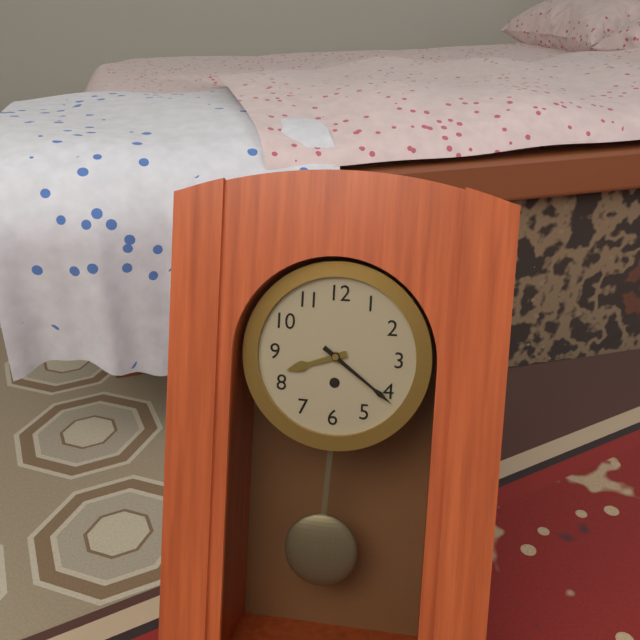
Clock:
8:21
